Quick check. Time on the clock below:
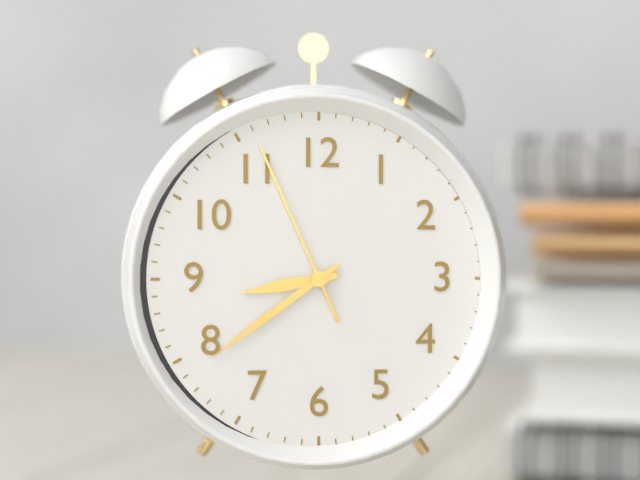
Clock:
8:39:56
